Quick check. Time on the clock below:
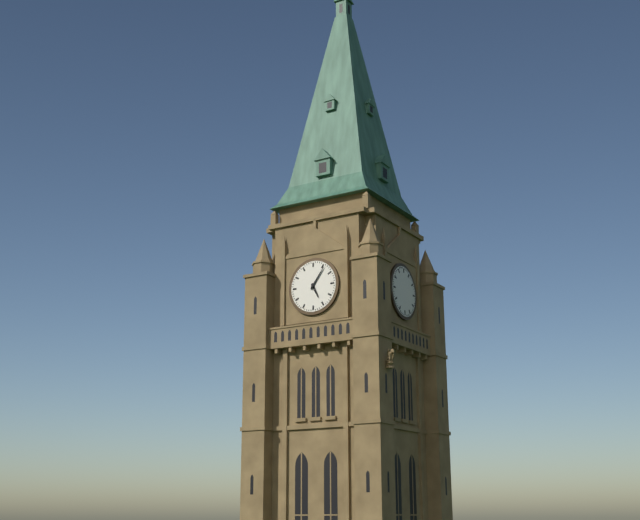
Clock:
5:06
